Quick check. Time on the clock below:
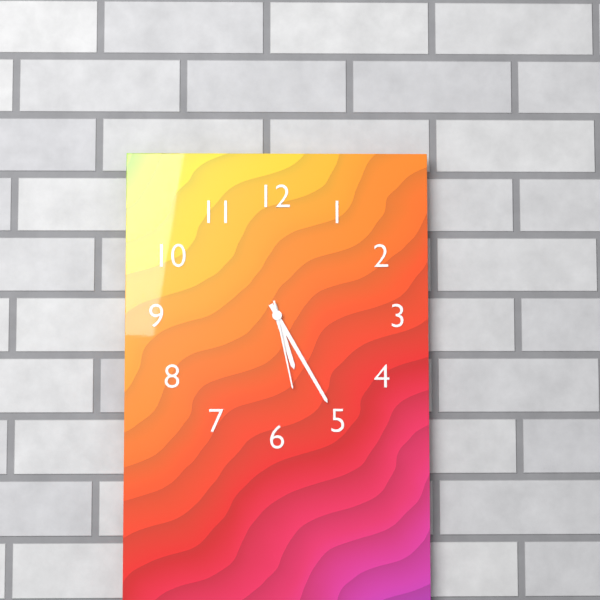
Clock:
5:25:28
